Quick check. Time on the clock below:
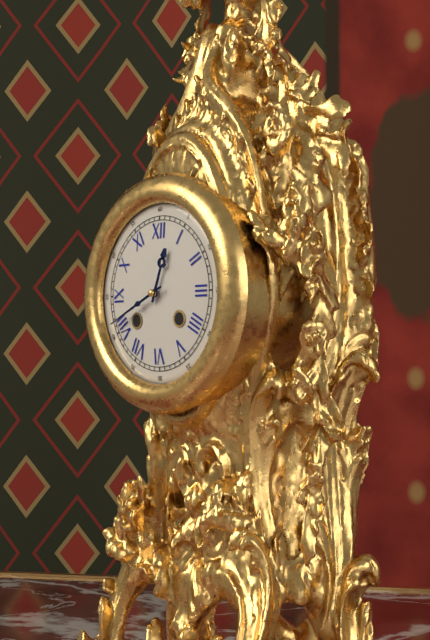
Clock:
12:41
